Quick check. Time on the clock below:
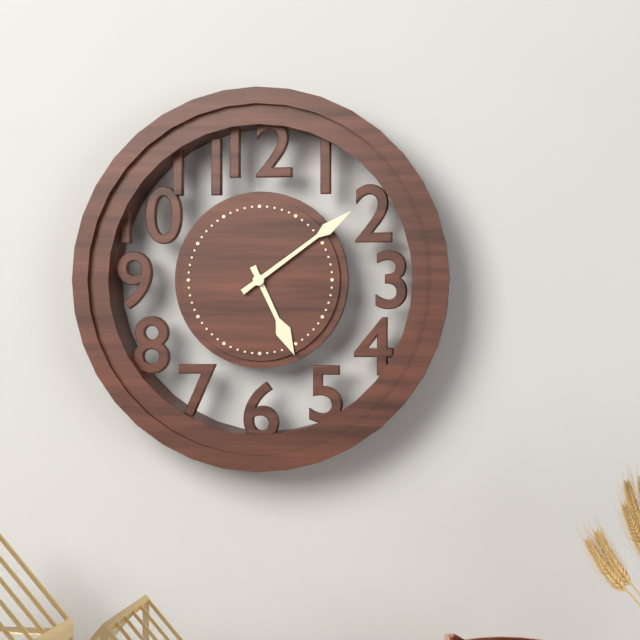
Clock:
5:09
